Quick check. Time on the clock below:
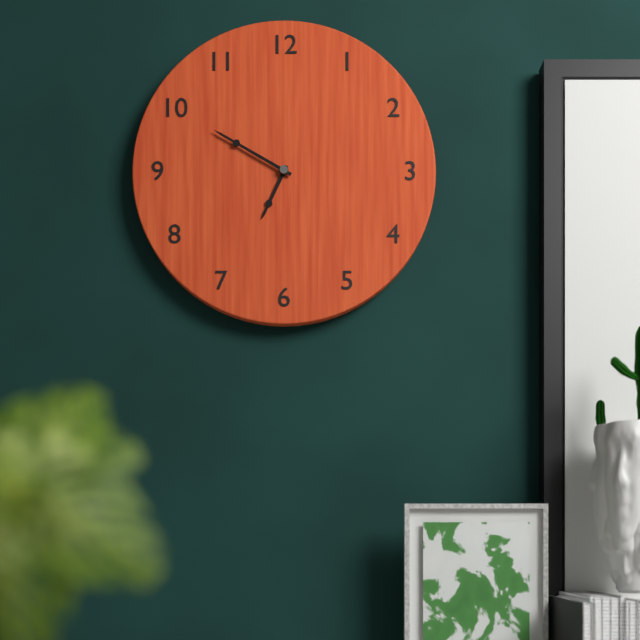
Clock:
6:50
